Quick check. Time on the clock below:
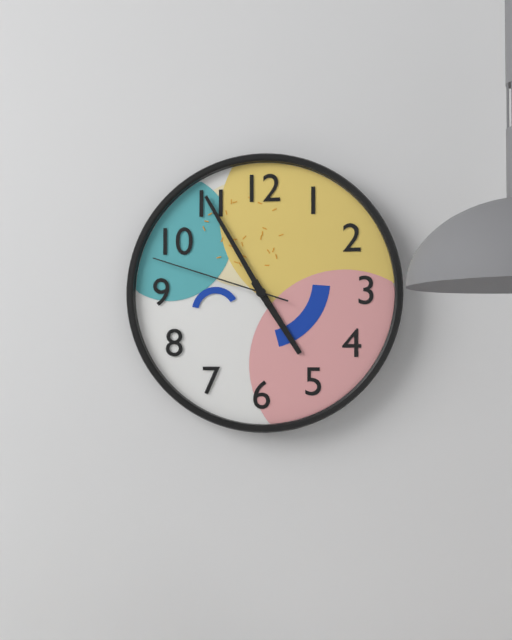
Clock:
4:55:48
